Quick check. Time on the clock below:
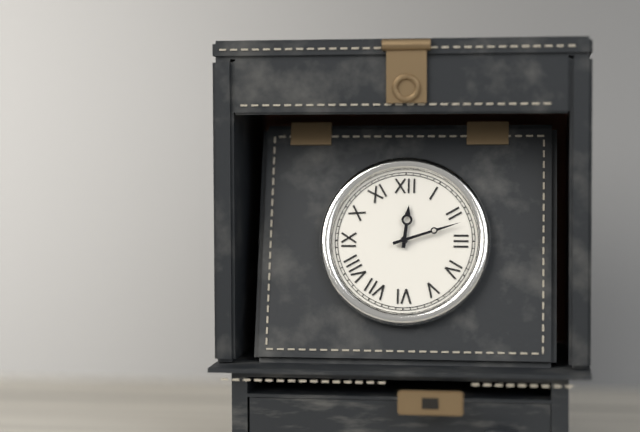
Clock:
12:12
